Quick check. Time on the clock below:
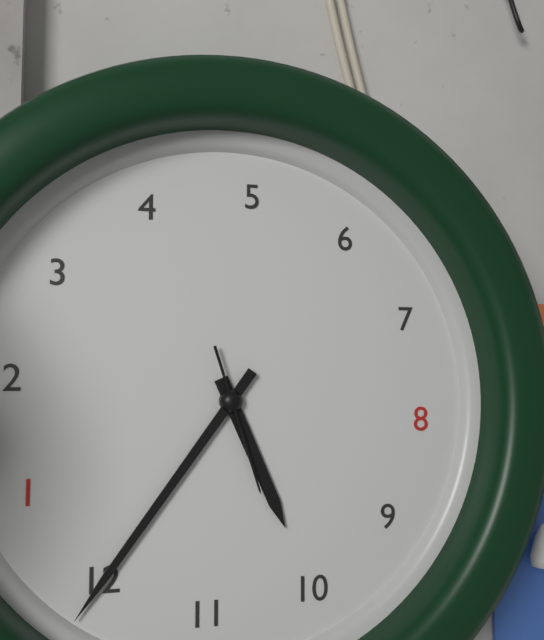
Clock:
10:00:51
